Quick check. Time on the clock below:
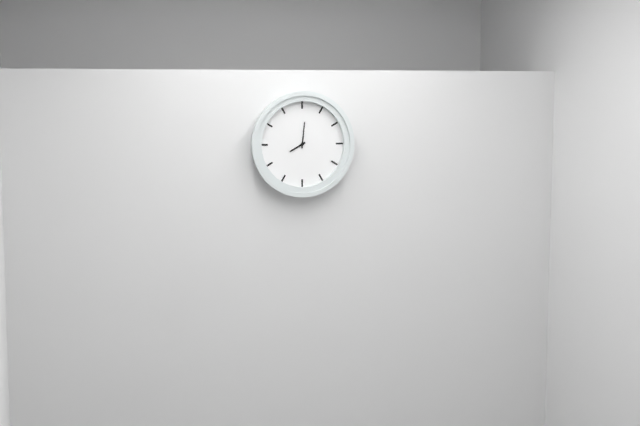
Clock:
8:01
